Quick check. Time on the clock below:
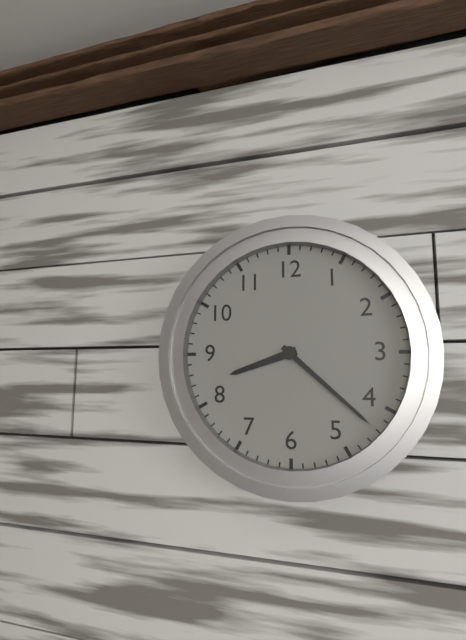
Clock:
8:22
